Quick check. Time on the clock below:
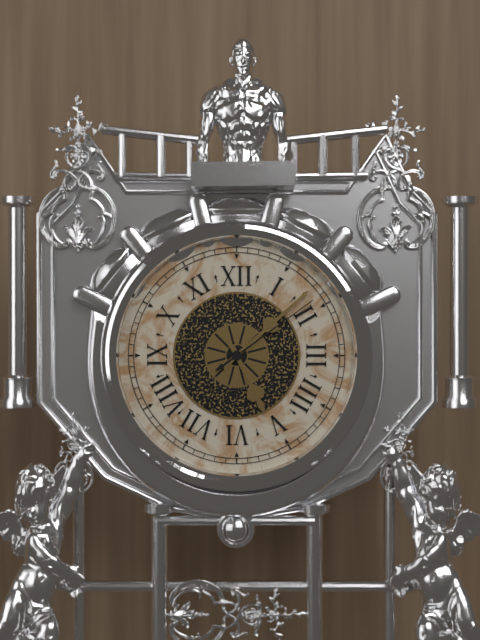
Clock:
5:08:09
